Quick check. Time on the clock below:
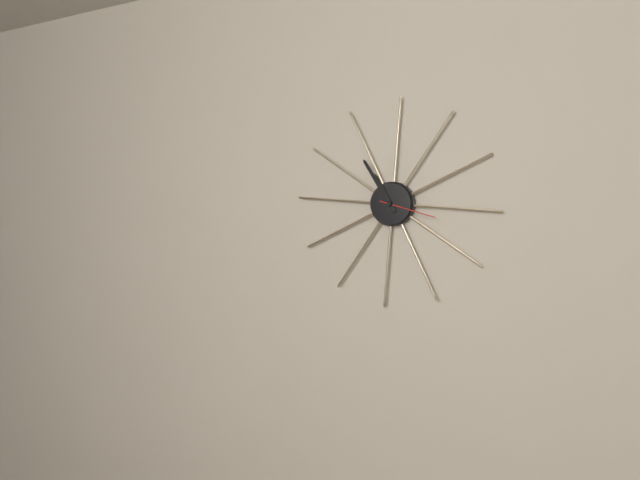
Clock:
10:54:17
